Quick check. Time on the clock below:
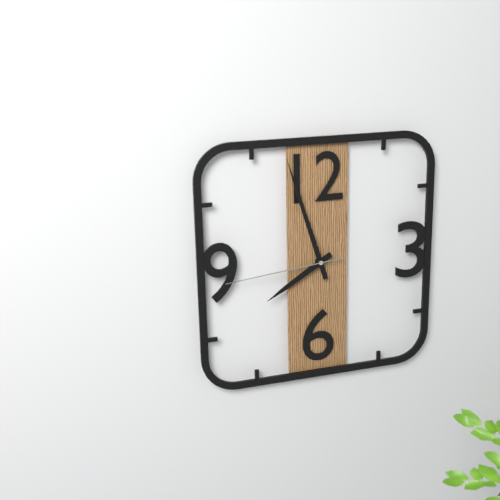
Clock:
7:57:44
